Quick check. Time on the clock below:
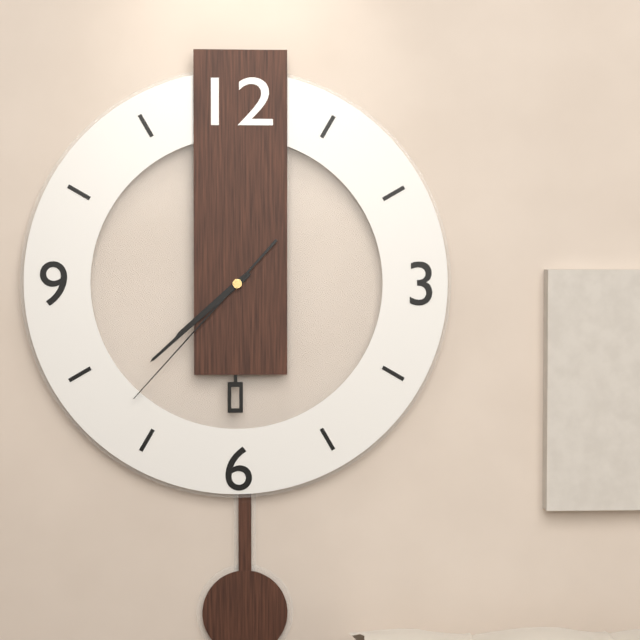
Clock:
7:38:37
